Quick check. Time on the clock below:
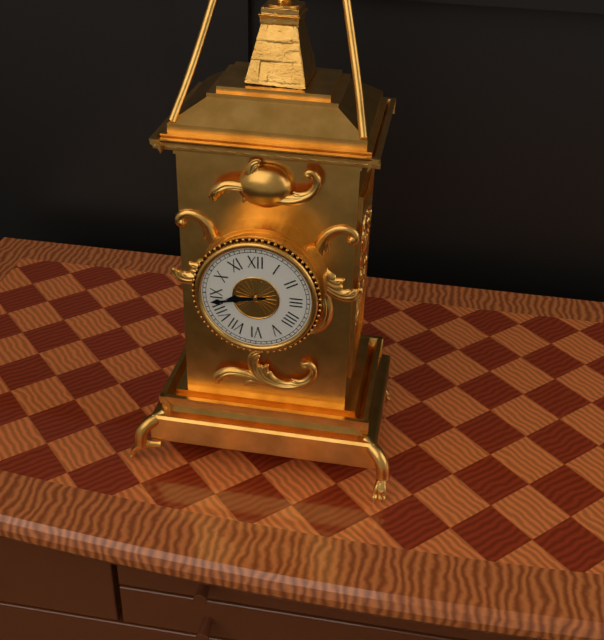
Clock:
8:43
